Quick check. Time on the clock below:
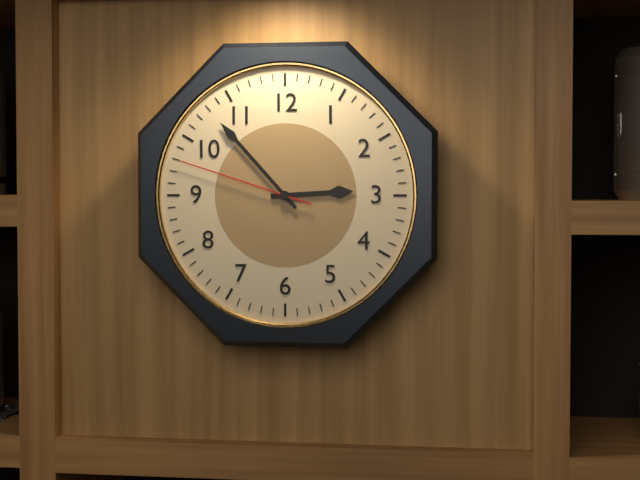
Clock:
2:53:48
